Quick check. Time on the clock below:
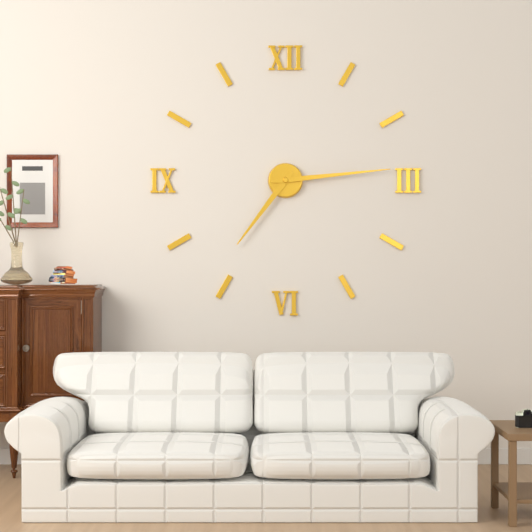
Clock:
7:14
